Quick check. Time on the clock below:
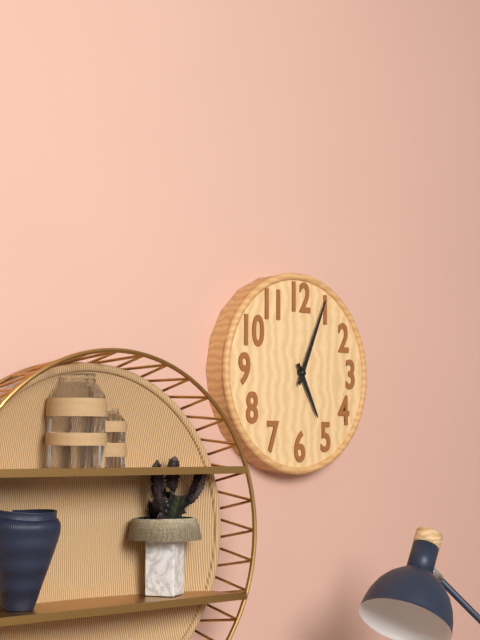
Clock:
5:04
